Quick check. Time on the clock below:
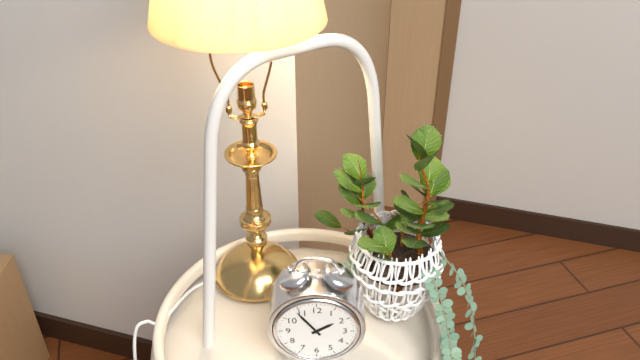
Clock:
1:54
